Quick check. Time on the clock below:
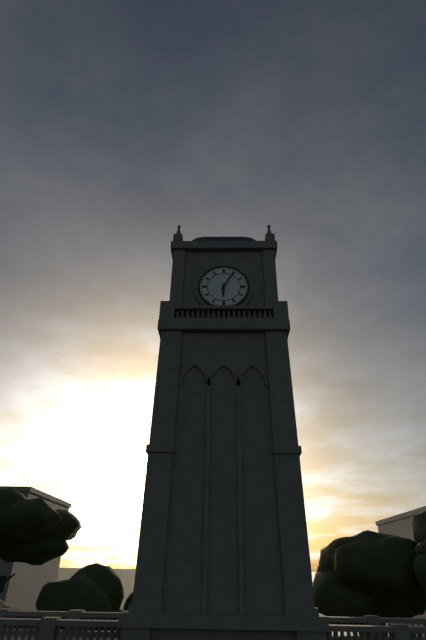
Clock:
6:05
